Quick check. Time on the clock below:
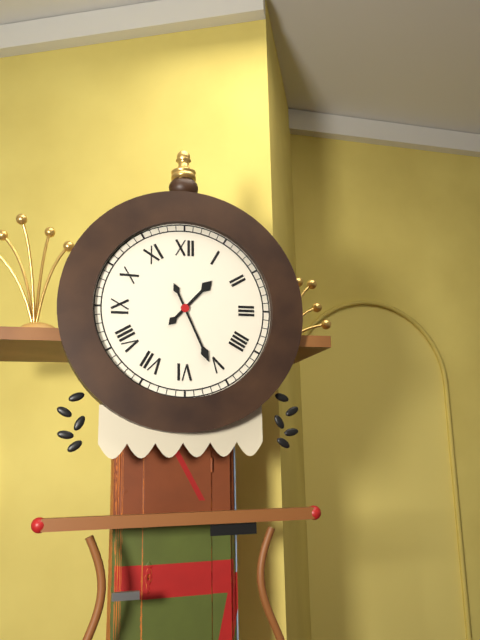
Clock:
1:26
